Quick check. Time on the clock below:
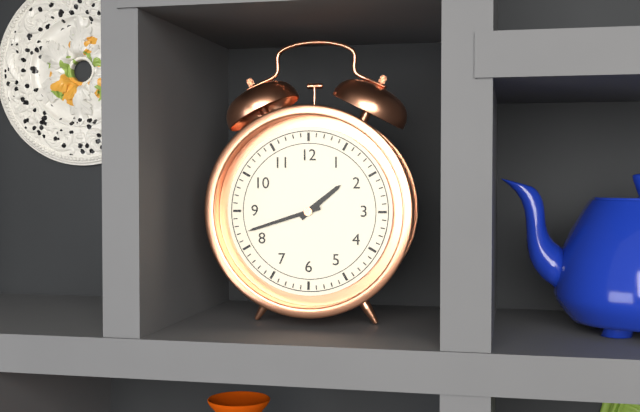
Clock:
1:42
